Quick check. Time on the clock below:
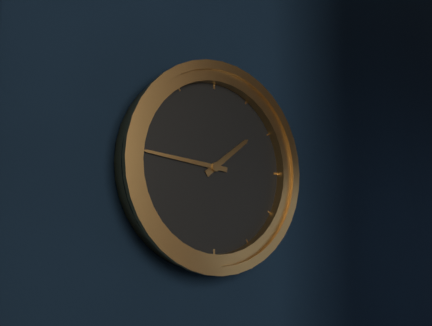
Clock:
1:46
